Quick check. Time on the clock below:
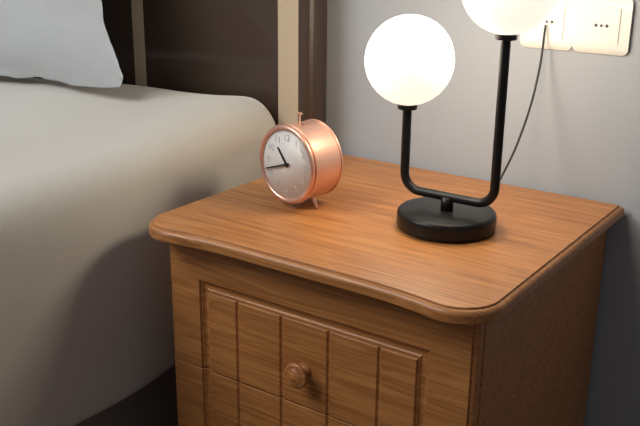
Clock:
10:42
